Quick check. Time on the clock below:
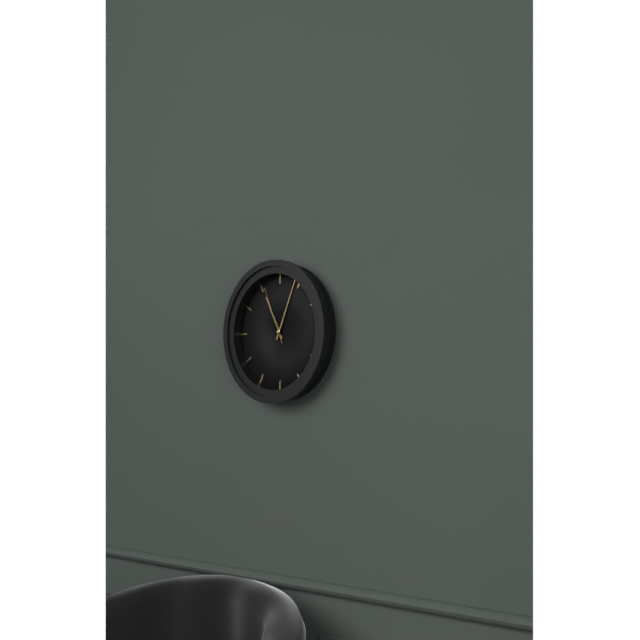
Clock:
11:04:56
